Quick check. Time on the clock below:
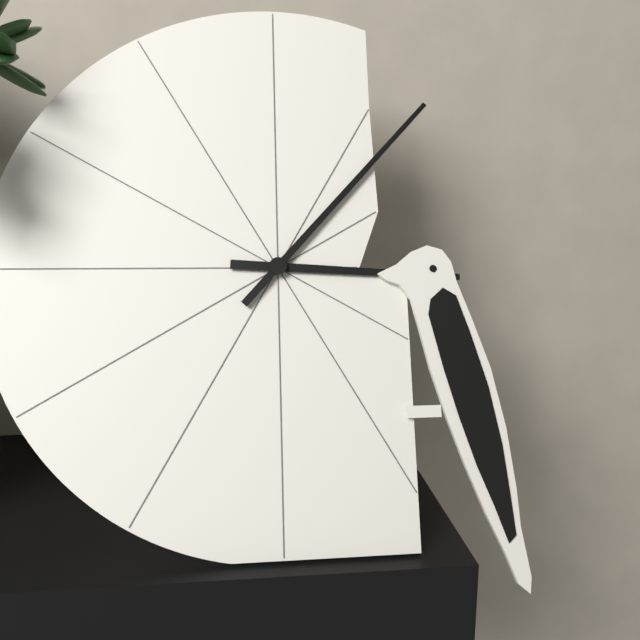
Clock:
3:07
